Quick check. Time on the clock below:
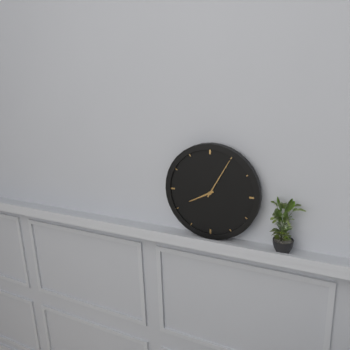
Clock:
8:05
